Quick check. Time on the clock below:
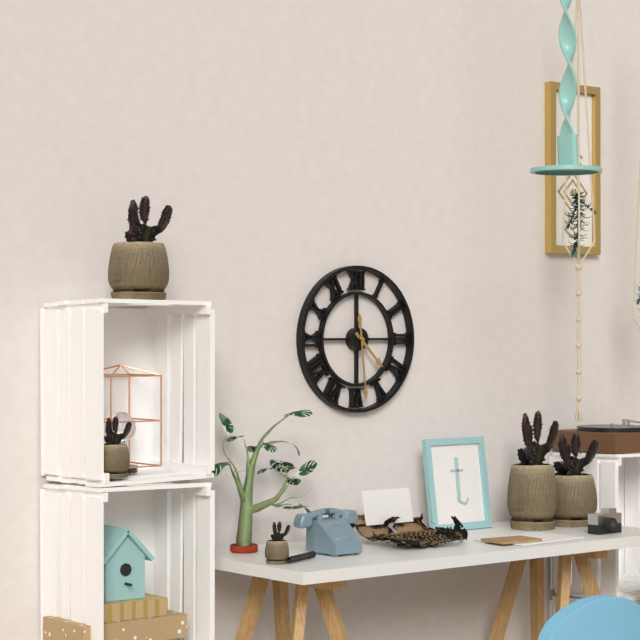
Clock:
4:29
